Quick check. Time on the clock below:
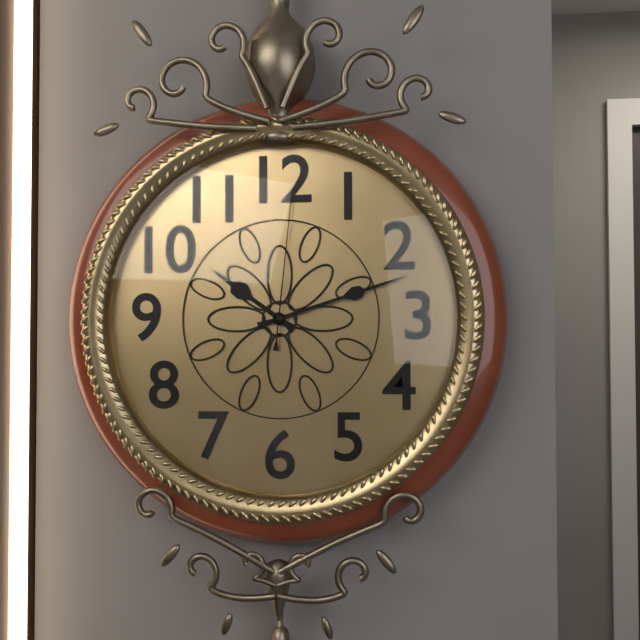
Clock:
10:12:01
